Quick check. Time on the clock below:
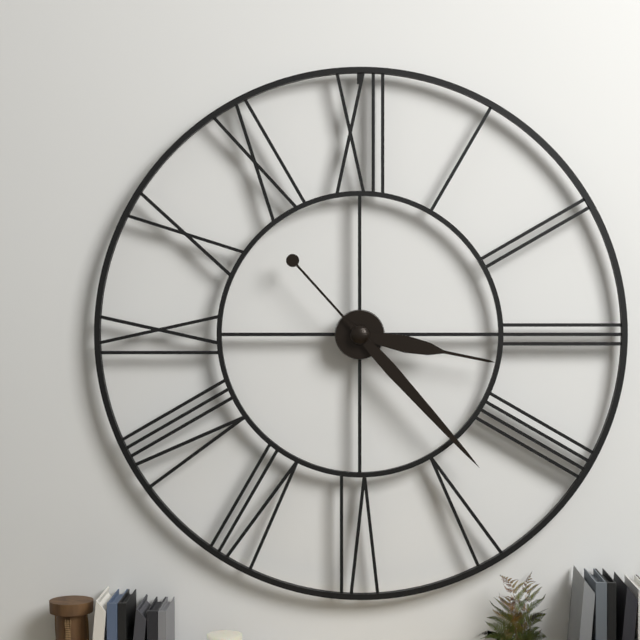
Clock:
3:23
